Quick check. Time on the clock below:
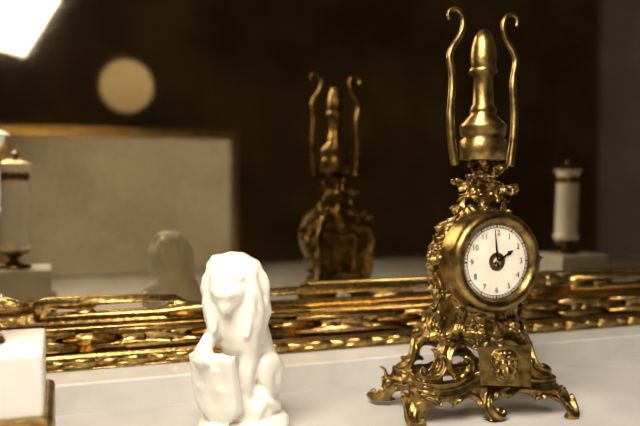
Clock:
1:59
